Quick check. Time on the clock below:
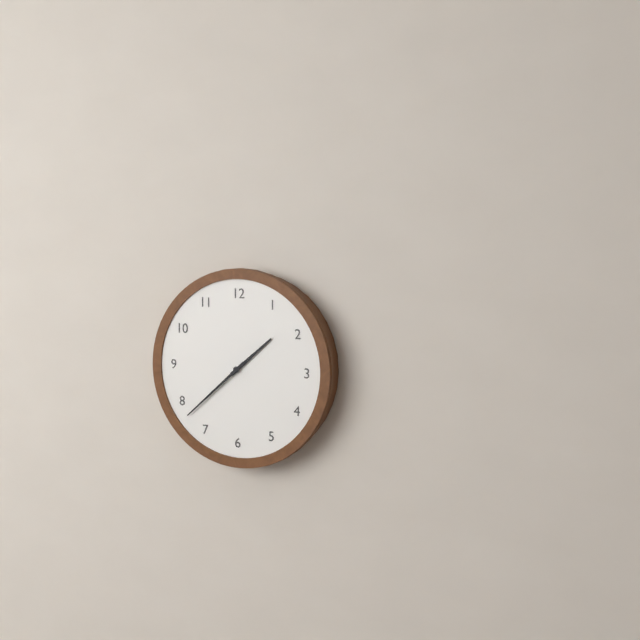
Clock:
1:38
